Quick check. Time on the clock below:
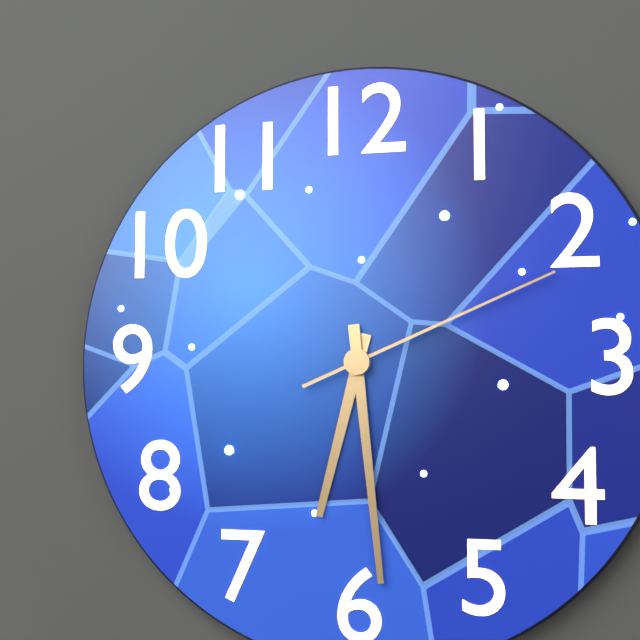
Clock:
6:29:11
